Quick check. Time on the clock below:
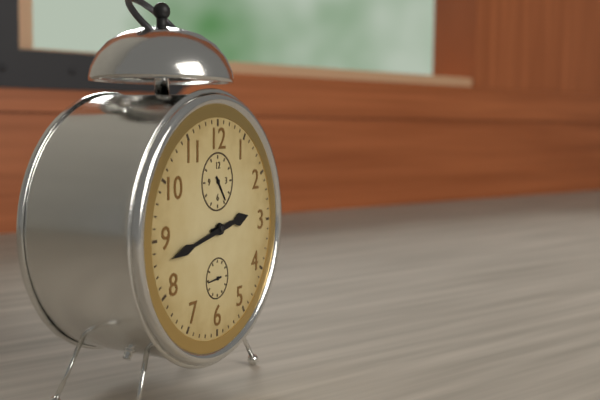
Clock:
2:43
